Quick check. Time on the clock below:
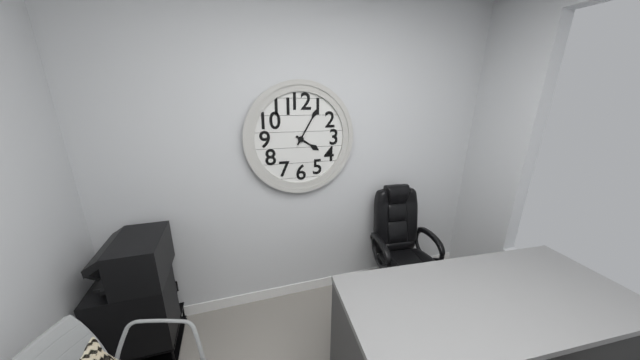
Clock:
4:05
